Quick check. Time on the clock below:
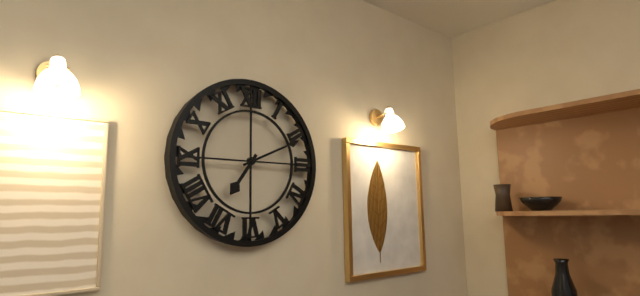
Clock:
7:11
